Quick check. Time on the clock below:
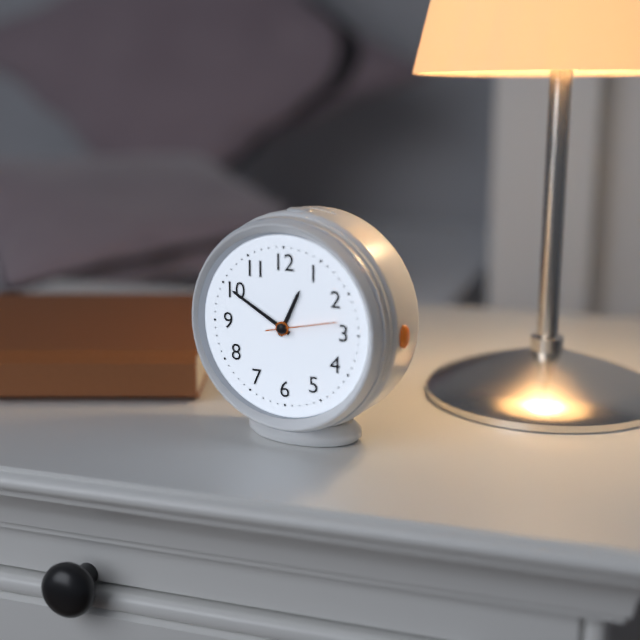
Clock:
12:50
